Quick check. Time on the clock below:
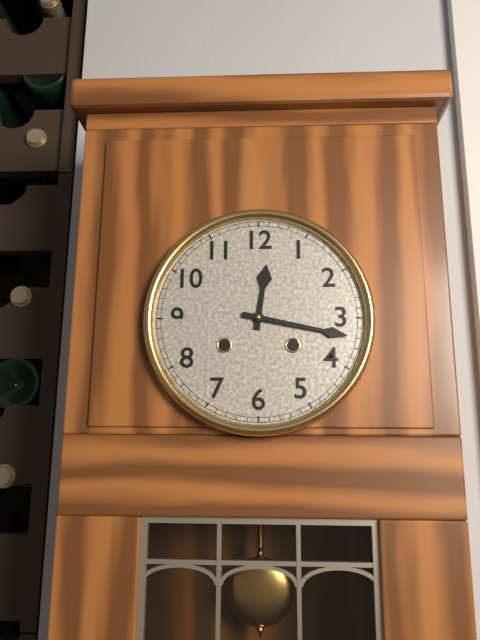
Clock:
12:17
